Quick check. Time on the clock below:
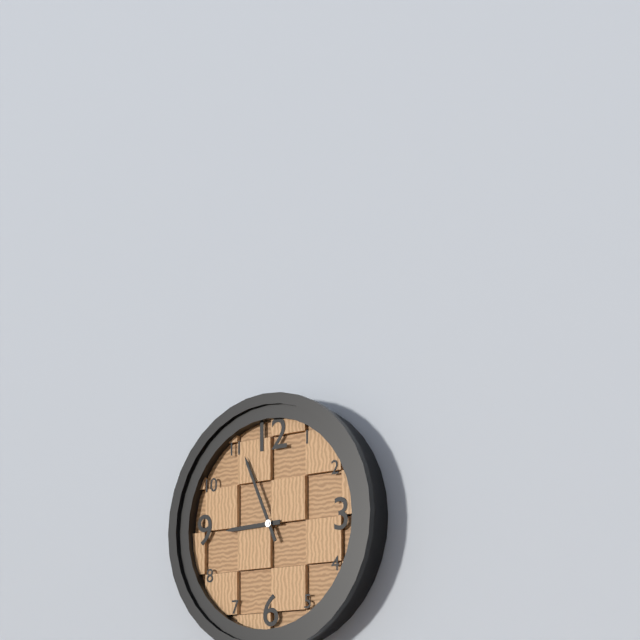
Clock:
8:56
